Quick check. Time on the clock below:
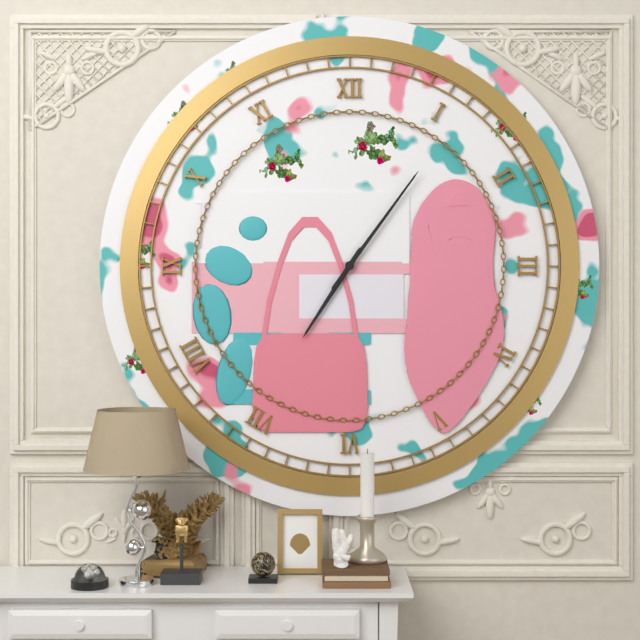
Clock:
7:06
